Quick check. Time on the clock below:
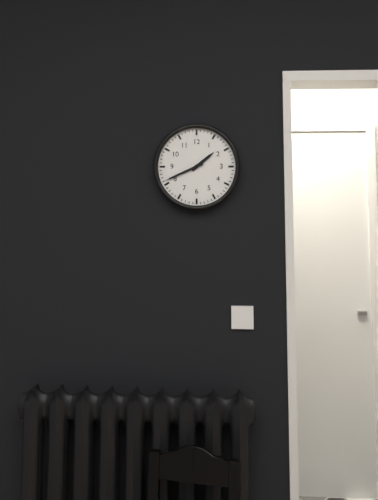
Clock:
1:41
